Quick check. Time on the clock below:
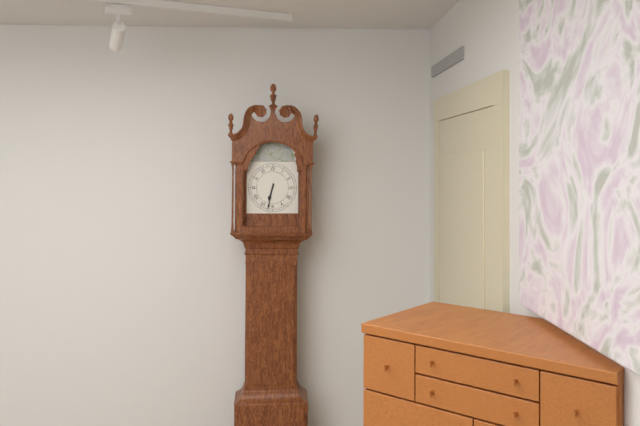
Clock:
6:32
